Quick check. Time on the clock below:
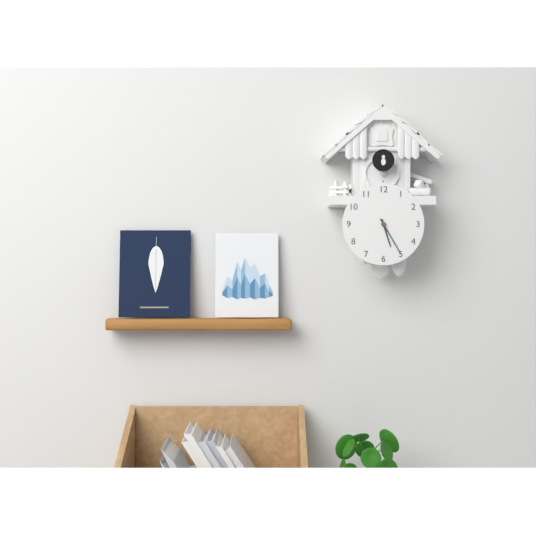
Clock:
5:25
